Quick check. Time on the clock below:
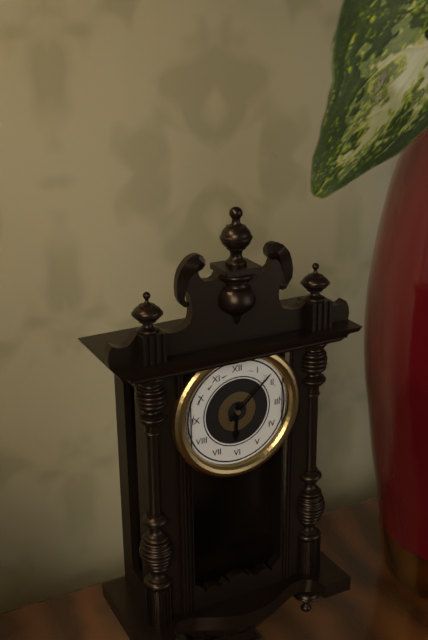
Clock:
6:08
